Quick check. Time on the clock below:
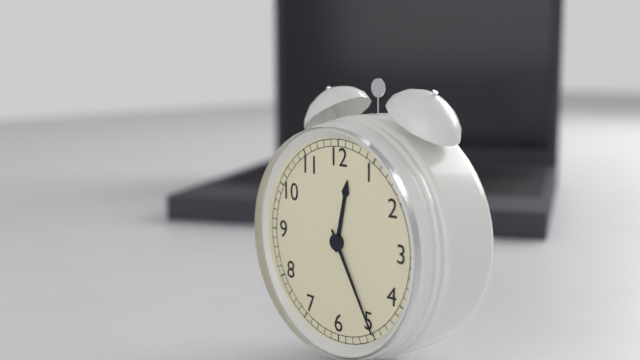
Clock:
12:25
